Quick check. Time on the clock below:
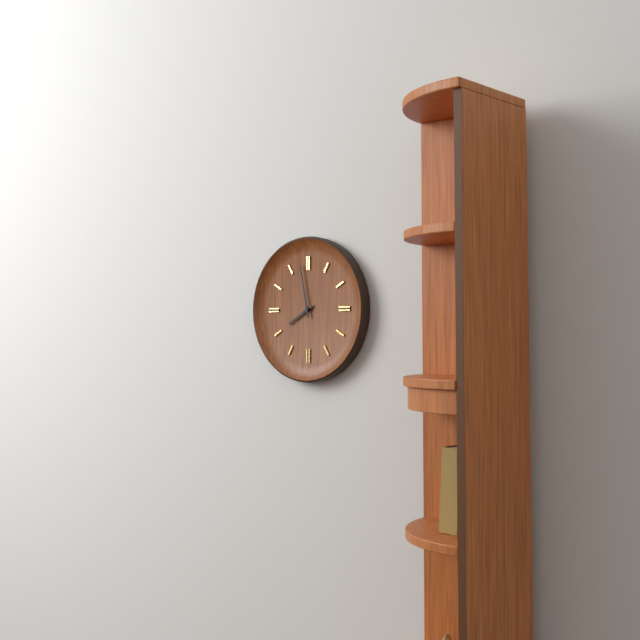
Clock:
7:58
